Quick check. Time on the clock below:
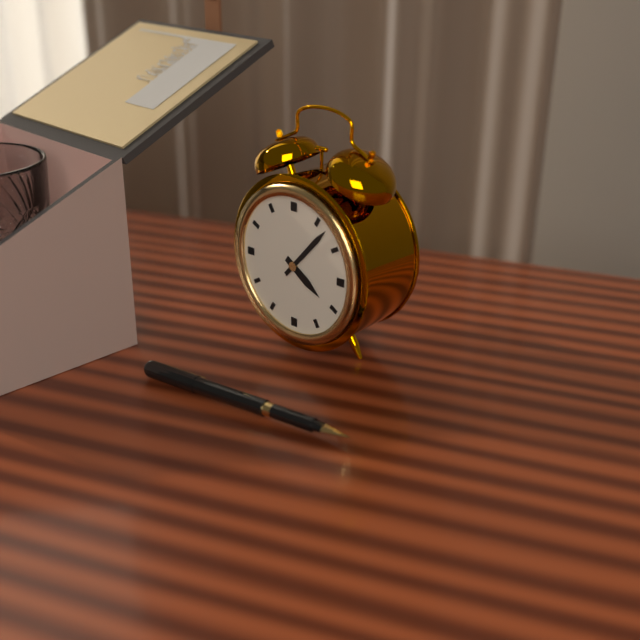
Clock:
4:07
